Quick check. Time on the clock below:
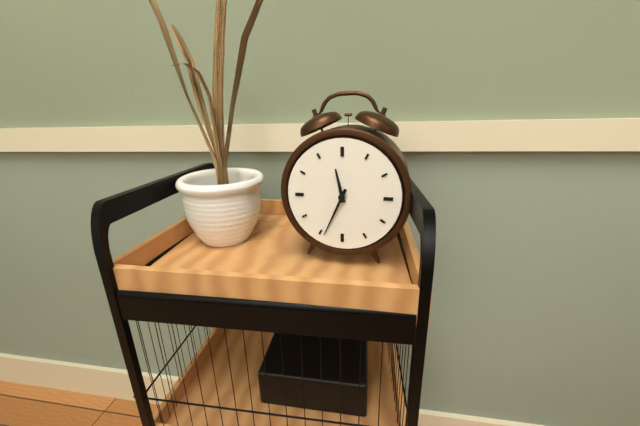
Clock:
11:34
